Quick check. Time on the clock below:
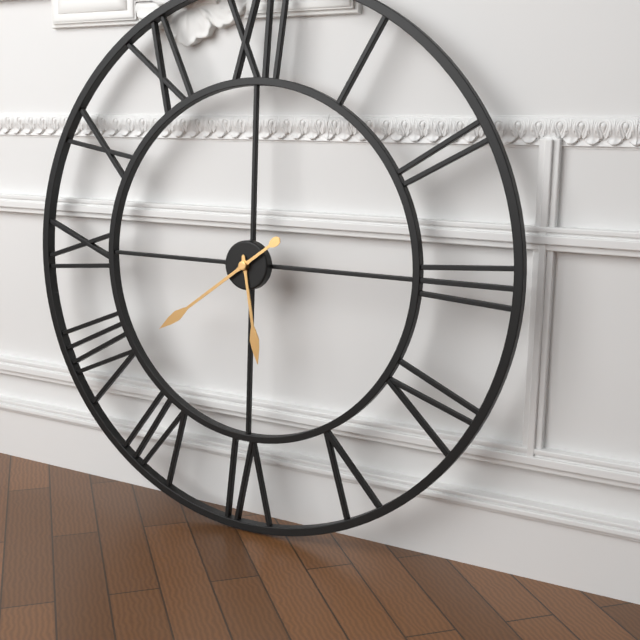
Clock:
5:39
